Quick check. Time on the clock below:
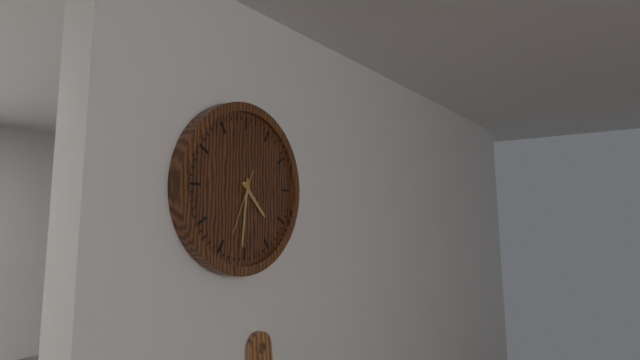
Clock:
4:31:34
